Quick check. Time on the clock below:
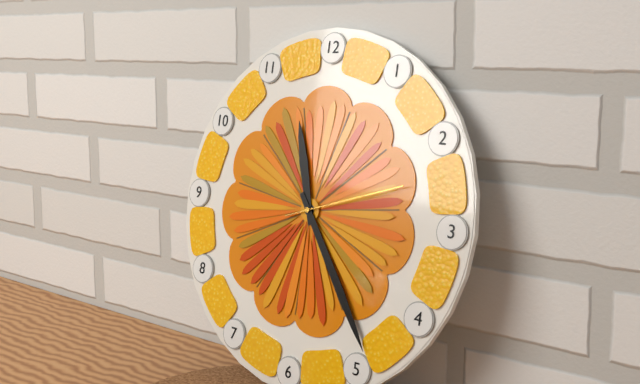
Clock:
11:24:12
